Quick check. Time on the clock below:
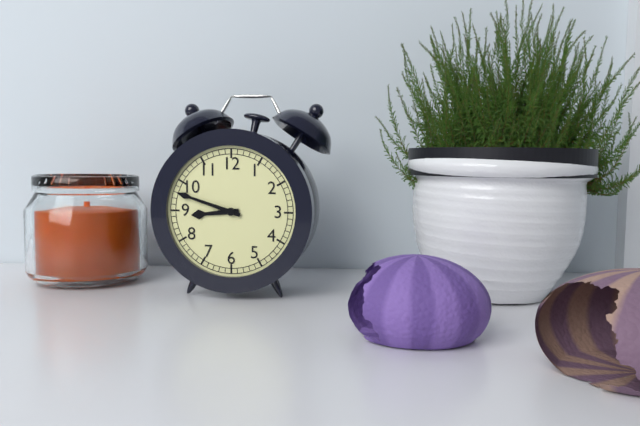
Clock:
8:48
